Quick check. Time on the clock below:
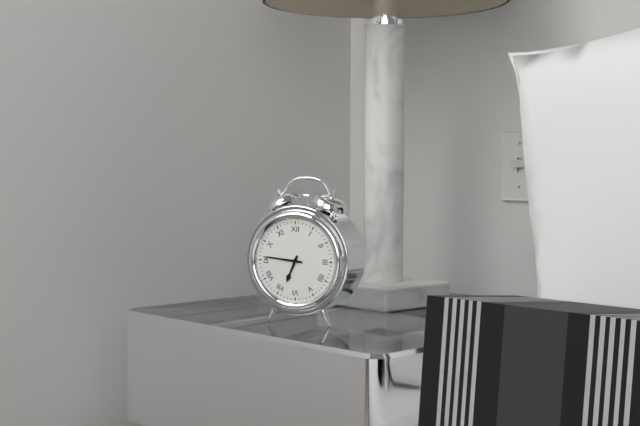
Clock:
6:46
